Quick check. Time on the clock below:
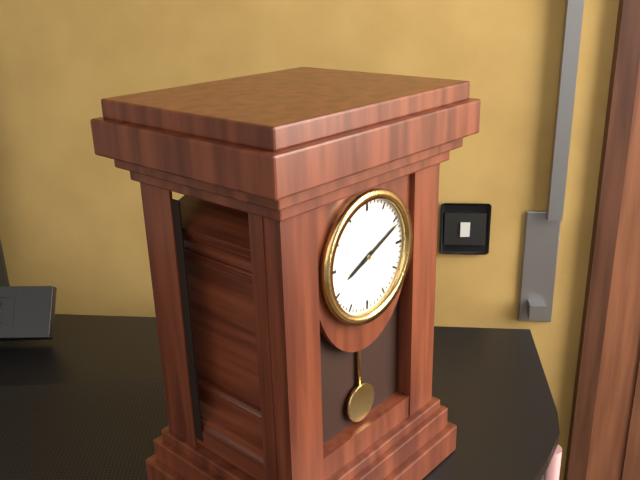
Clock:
8:11
